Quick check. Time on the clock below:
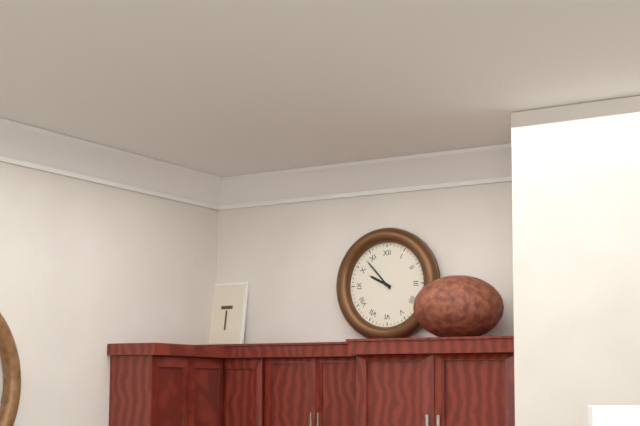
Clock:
9:53
